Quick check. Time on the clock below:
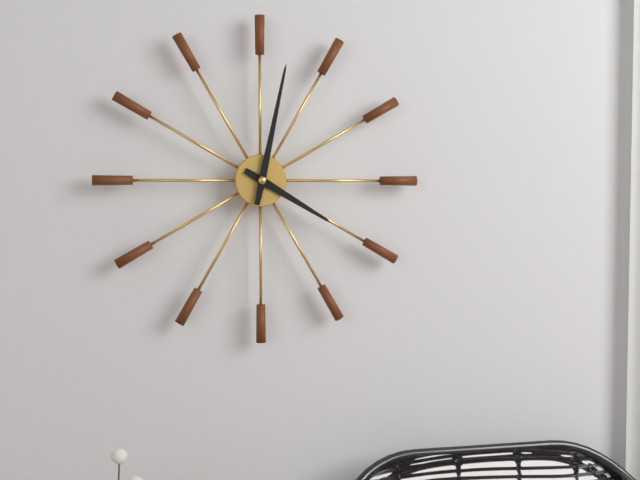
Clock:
4:02
